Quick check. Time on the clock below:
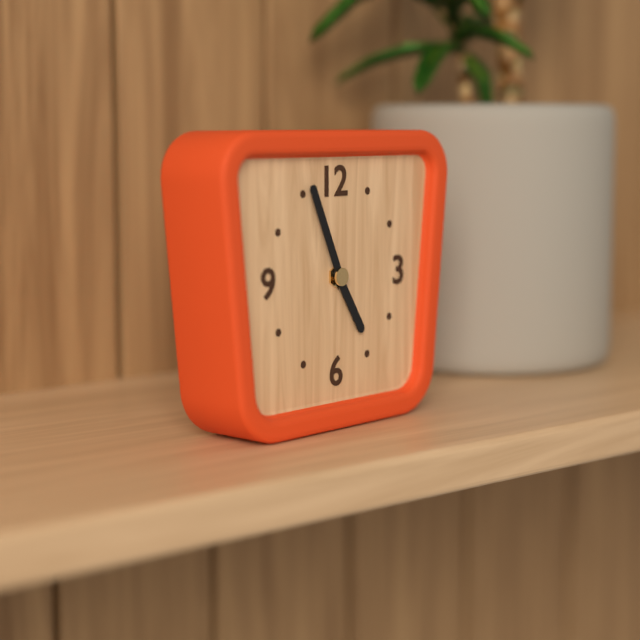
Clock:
4:56
